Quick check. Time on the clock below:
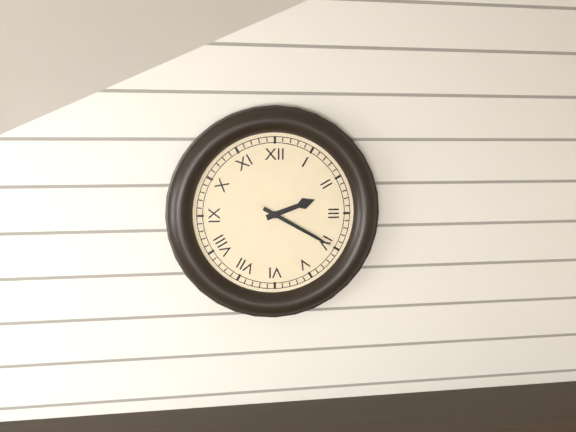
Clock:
2:20
